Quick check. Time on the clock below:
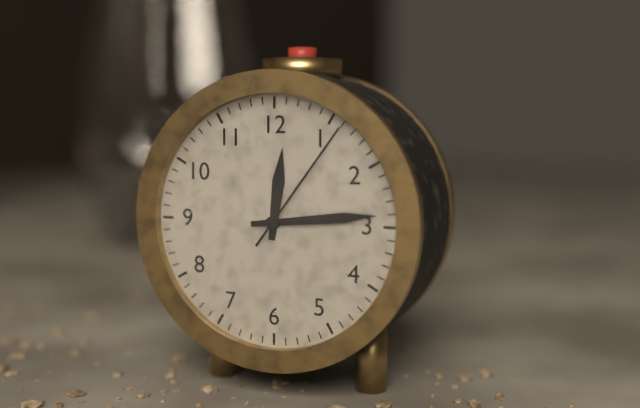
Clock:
12:14:06
